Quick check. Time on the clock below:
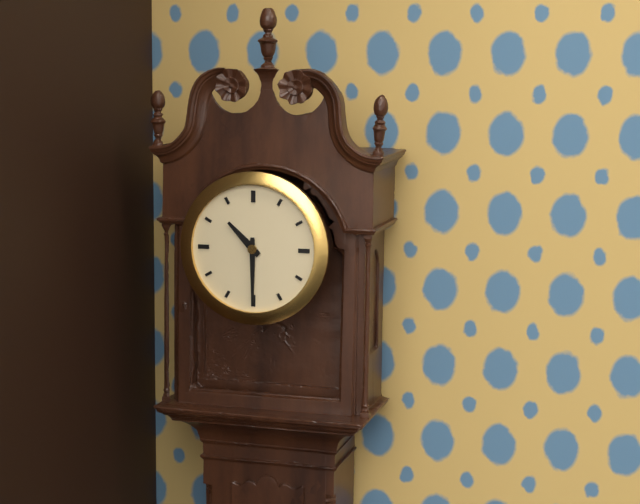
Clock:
10:30
